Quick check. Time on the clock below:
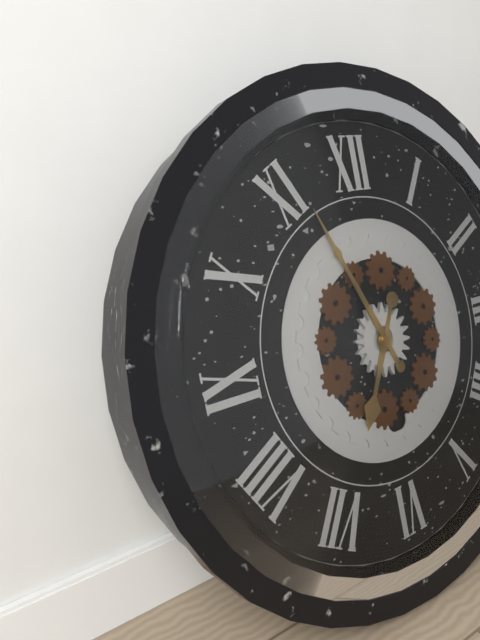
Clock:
6:56
